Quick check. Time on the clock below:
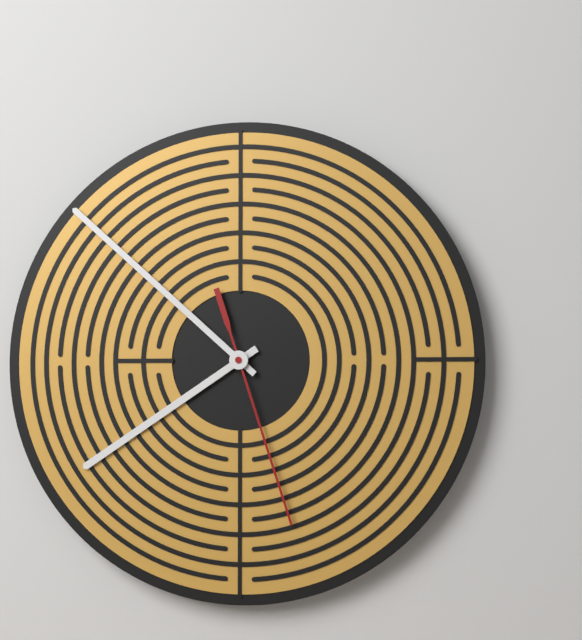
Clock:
7:52:27
